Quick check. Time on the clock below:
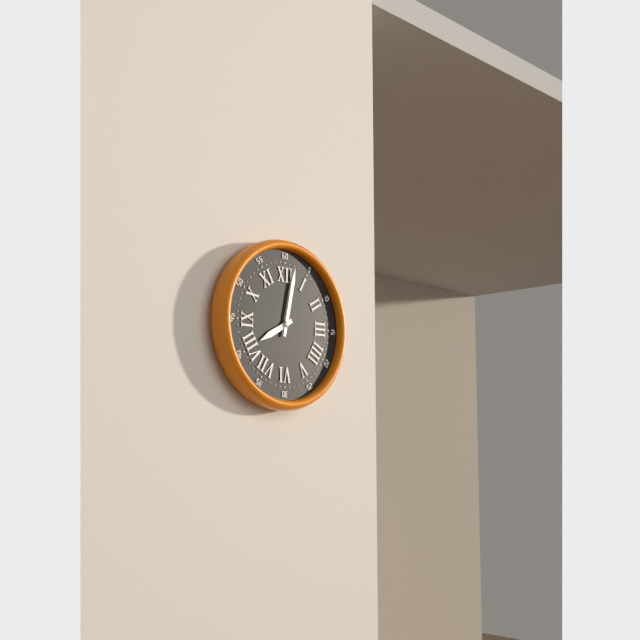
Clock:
8:02
